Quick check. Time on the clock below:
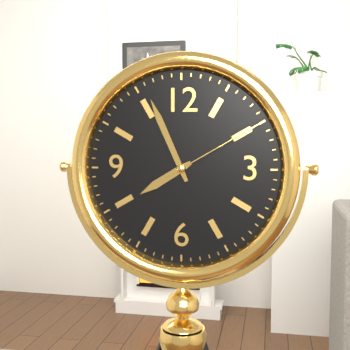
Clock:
7:56:10
